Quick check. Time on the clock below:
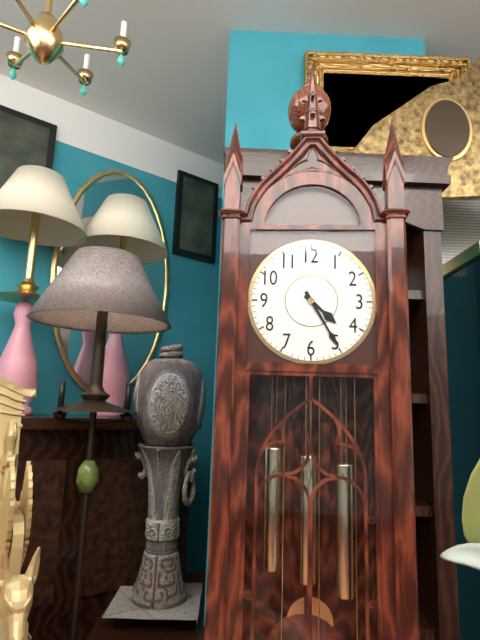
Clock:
4:25
